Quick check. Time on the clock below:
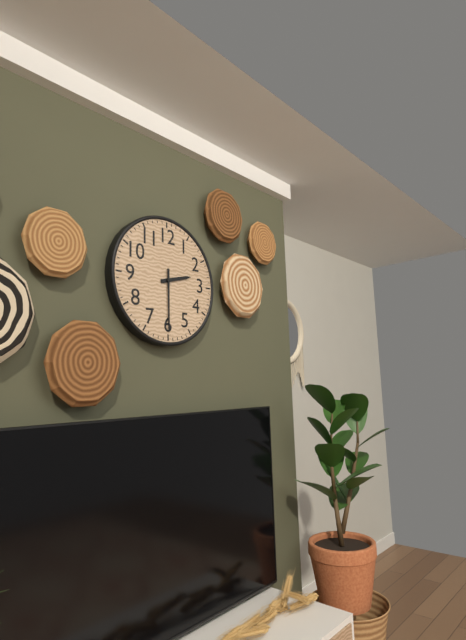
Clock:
2:30
